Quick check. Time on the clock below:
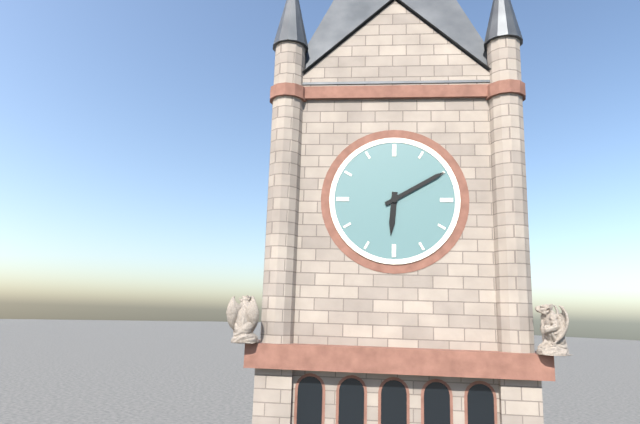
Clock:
6:10
